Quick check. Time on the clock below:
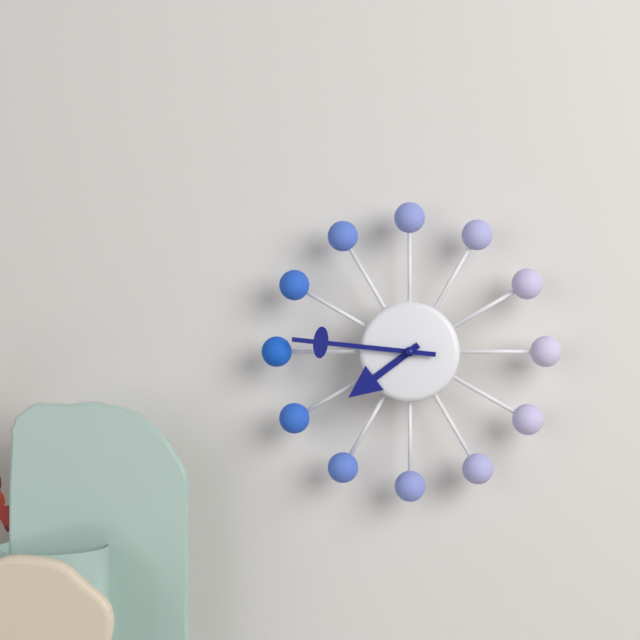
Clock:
7:46
